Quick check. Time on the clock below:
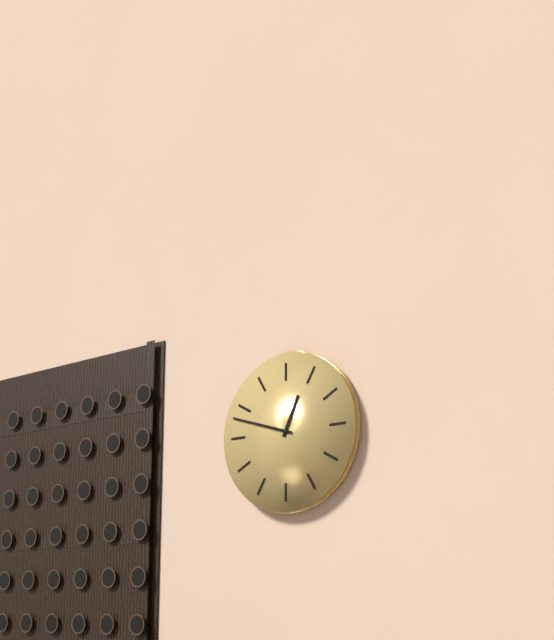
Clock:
12:48
